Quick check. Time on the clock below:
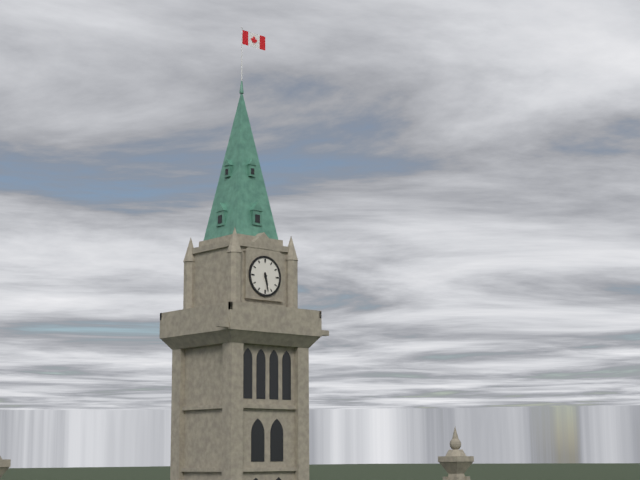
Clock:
5:28
